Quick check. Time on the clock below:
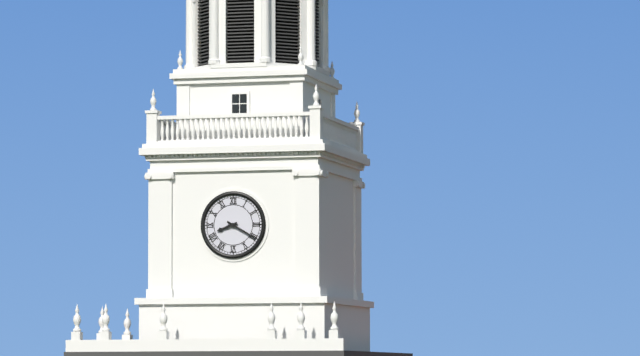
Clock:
8:20
